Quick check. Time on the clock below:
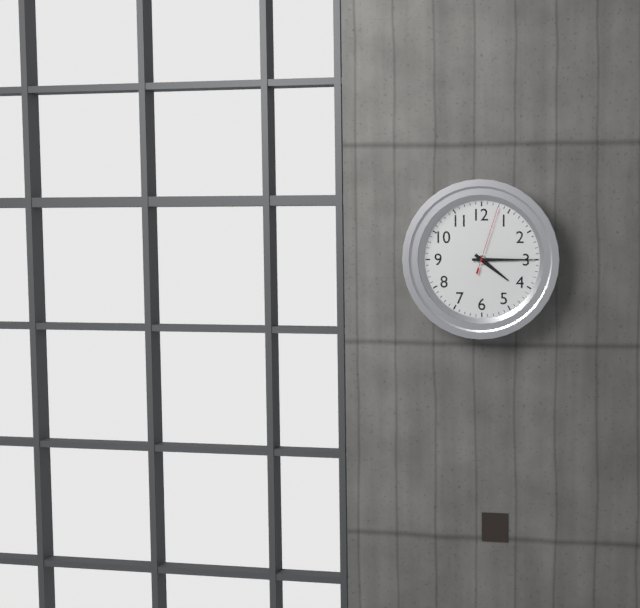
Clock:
4:15:03
